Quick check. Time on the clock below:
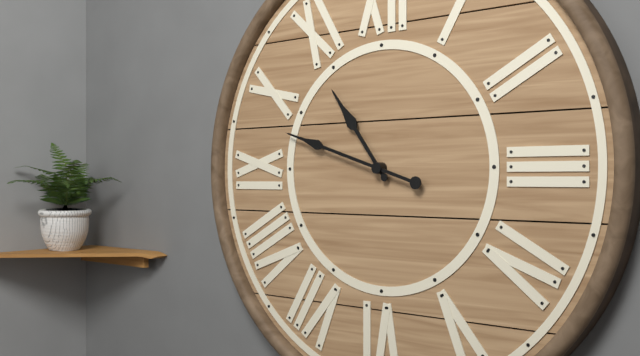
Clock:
10:48
